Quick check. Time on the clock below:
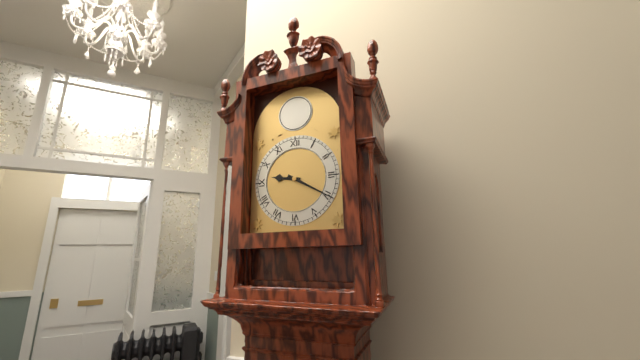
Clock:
9:20
